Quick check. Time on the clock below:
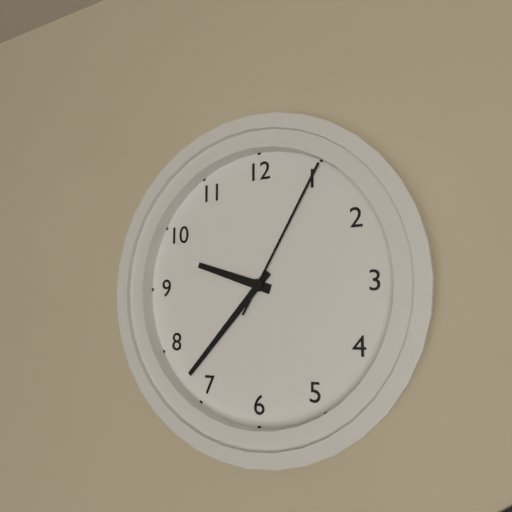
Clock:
9:37:05
